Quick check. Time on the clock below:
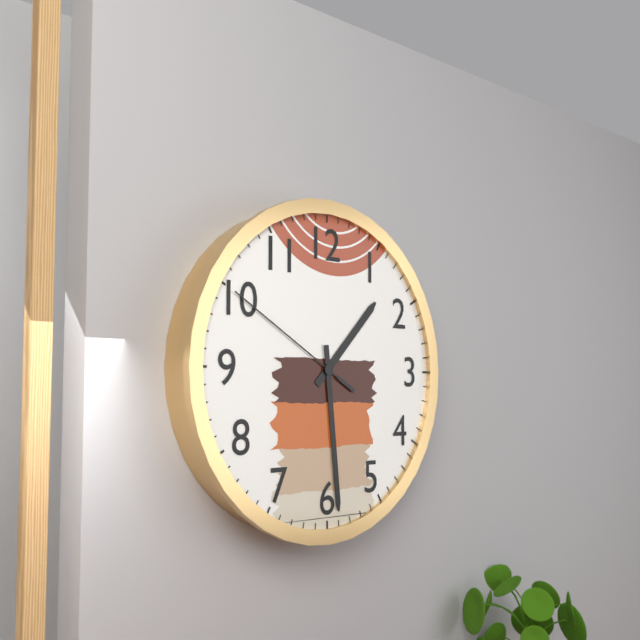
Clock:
1:29:50
